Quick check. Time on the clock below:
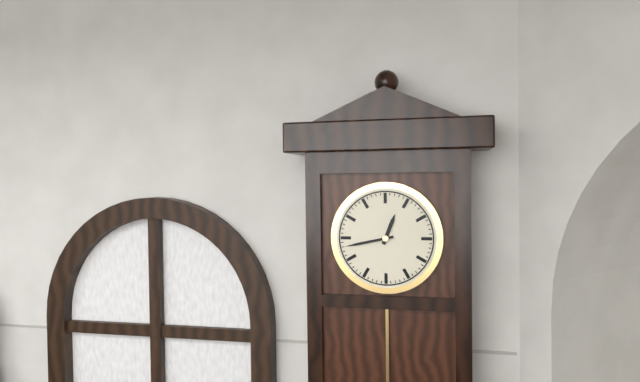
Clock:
12:43
